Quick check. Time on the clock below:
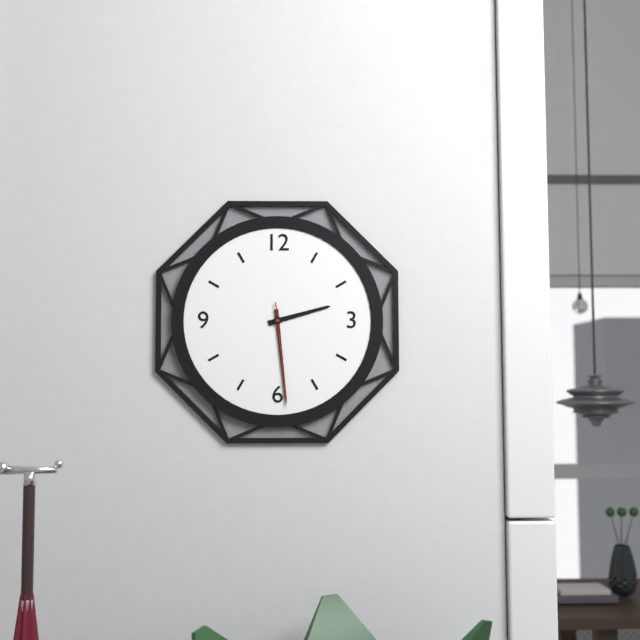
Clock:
2:29:29
